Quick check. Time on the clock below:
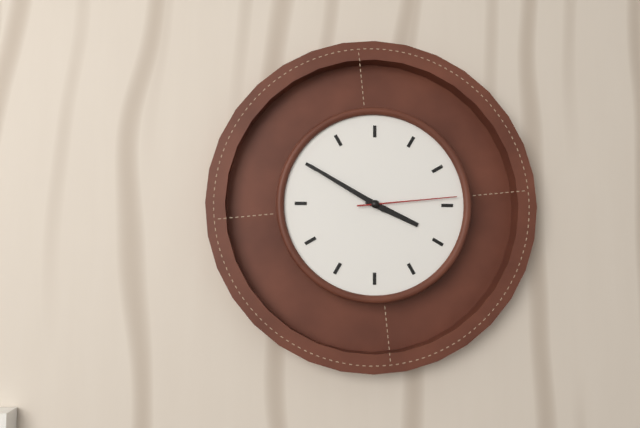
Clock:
3:50:14
